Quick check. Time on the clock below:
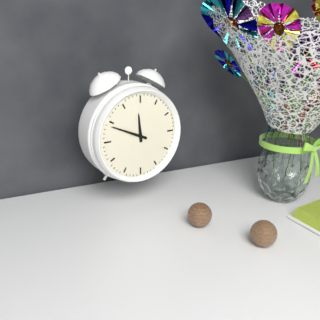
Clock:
11:49
